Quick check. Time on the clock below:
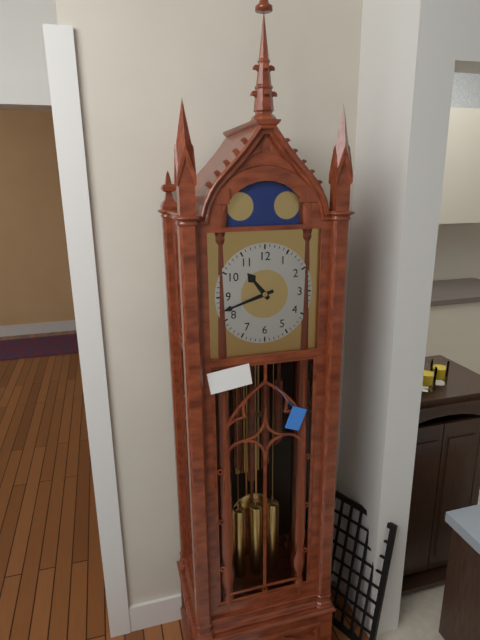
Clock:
10:42
